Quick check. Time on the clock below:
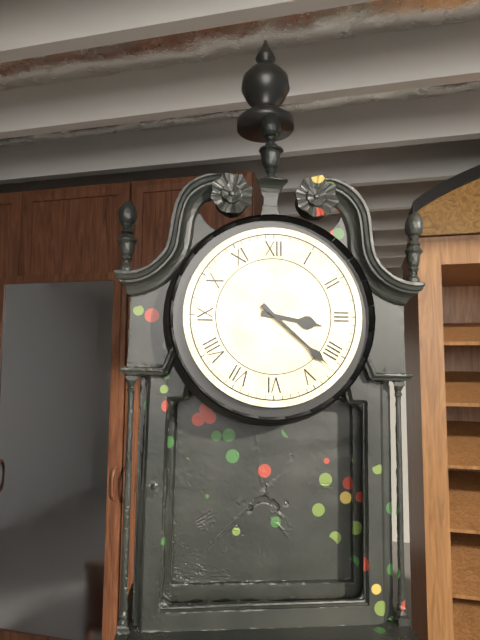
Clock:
3:22
